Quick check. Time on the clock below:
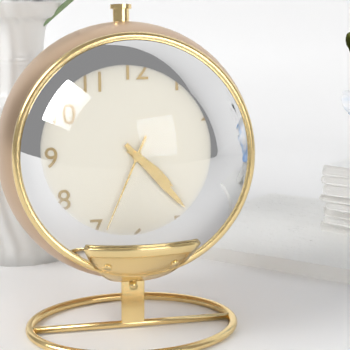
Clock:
4:23:34
